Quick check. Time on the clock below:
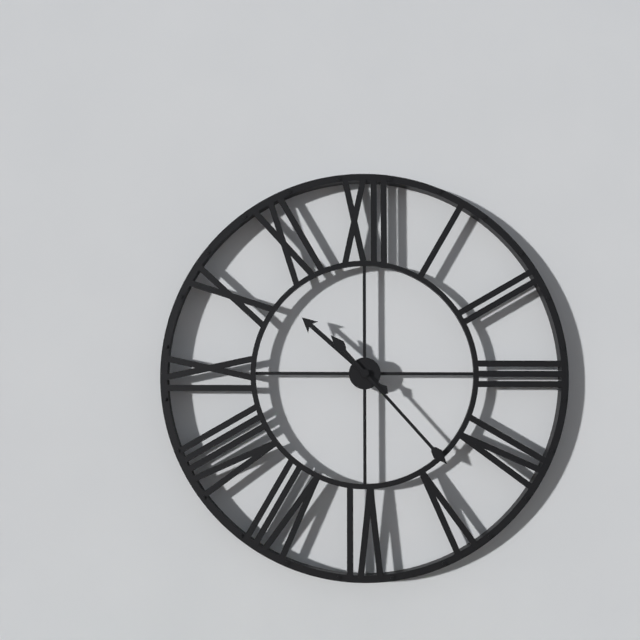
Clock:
10:23
